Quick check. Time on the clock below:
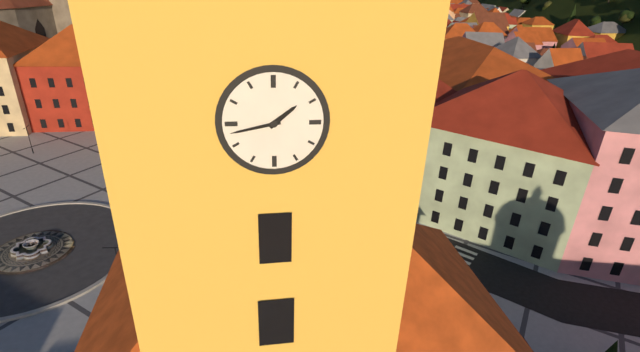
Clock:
1:43
